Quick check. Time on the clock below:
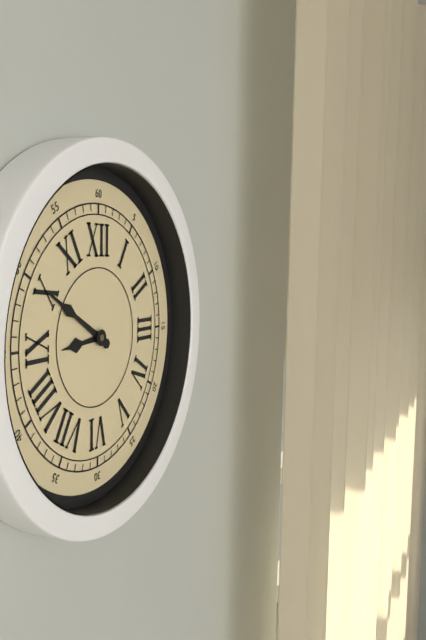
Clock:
8:50
